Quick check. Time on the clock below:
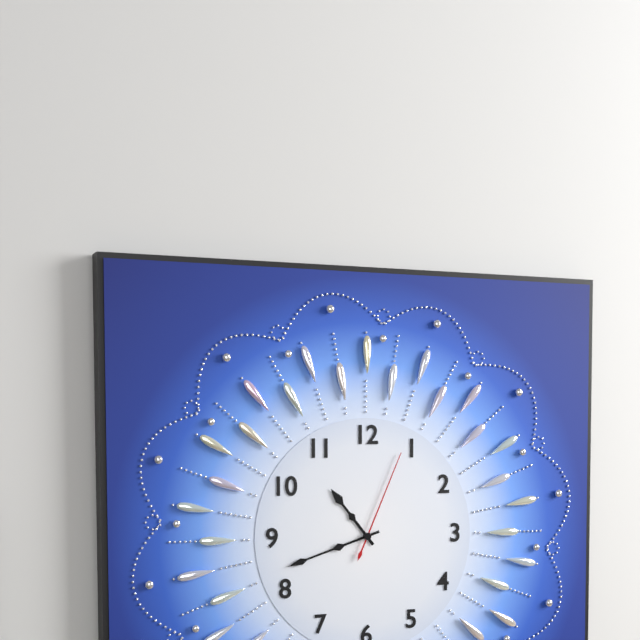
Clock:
10:42:04
